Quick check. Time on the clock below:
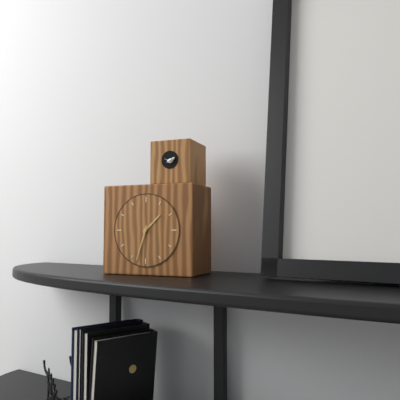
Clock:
1:33
